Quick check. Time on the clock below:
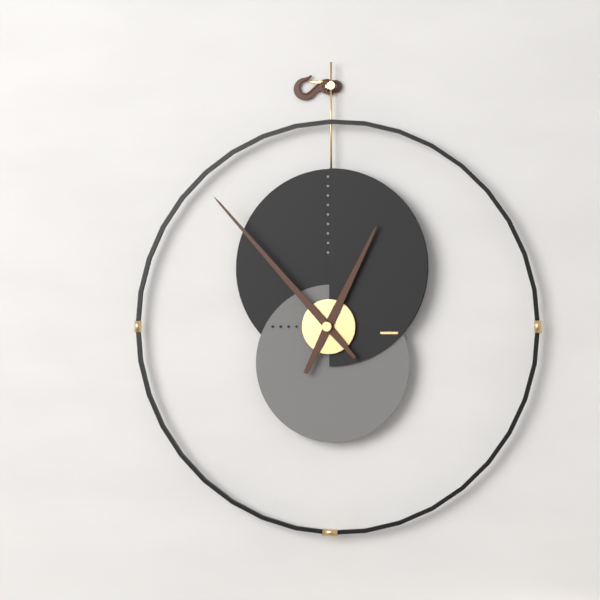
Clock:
12:53
